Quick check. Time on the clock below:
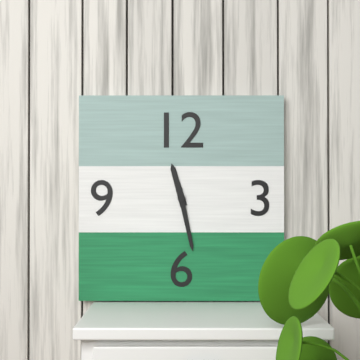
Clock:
11:28
